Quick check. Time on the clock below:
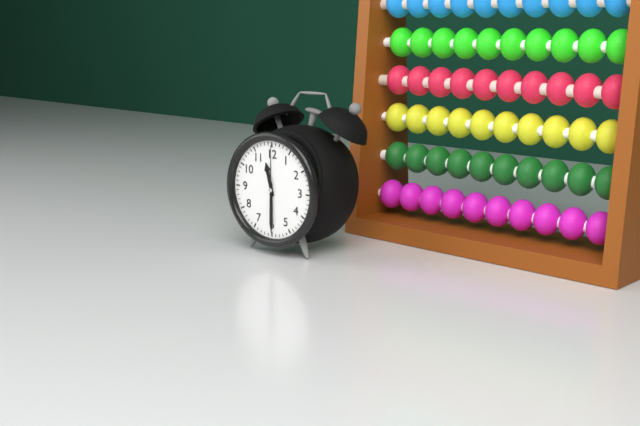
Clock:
11:30:00
